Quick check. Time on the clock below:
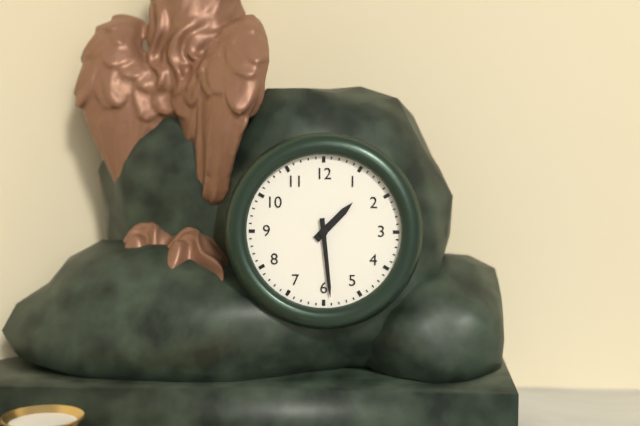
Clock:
1:29
